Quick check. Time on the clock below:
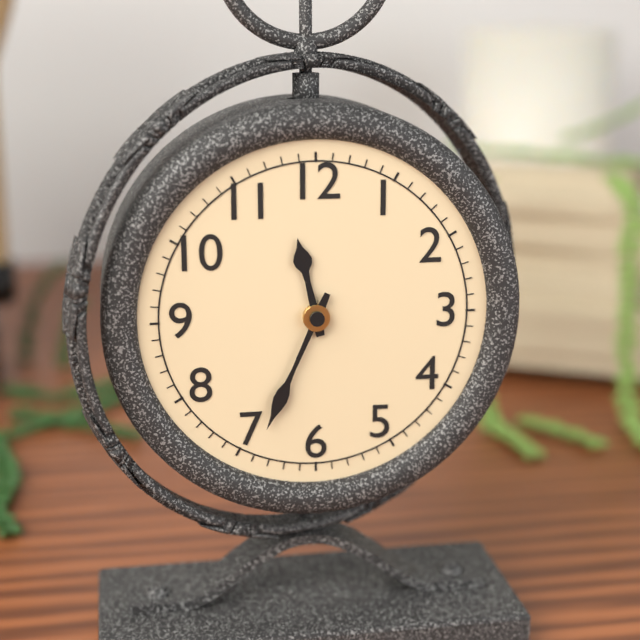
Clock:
11:34
